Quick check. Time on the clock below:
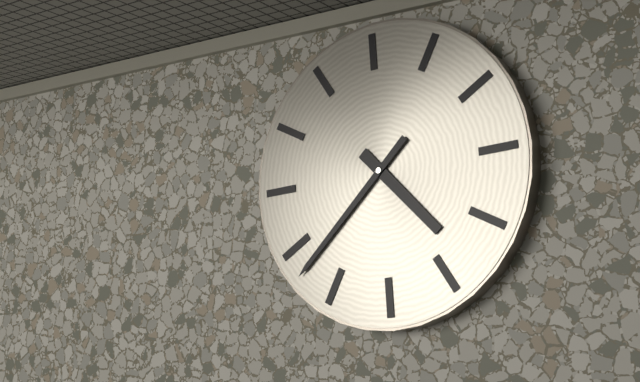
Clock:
4:38
